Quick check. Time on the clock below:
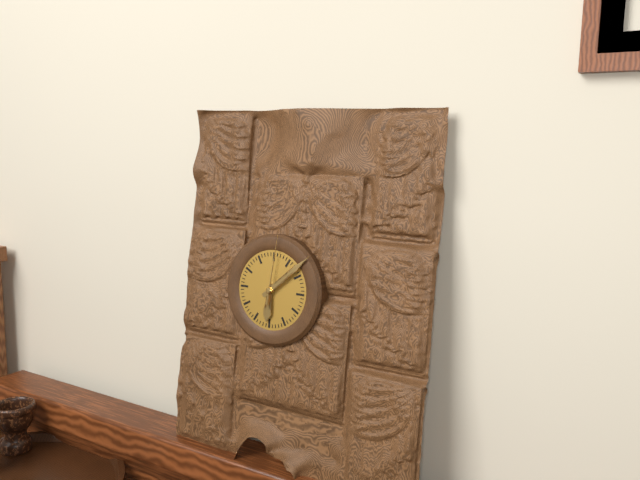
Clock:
6:08:01
